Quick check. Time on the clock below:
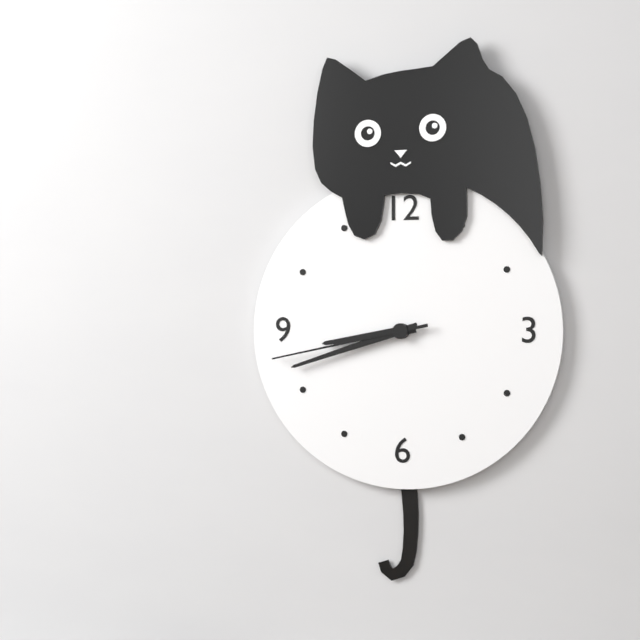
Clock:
8:42:43
